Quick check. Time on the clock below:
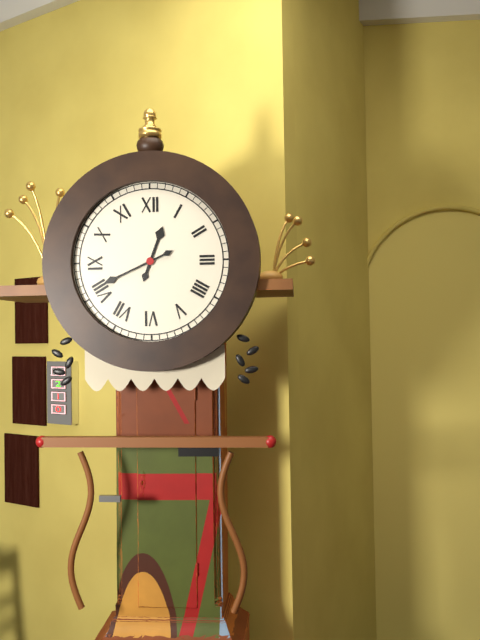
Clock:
12:41
